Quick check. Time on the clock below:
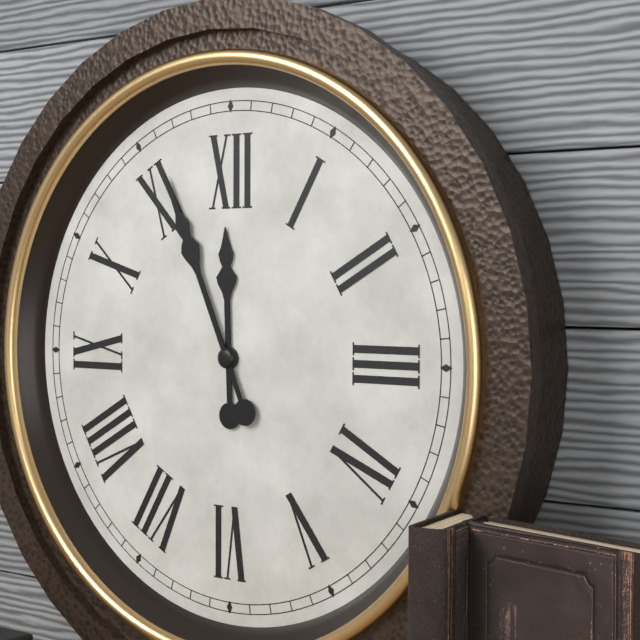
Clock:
11:56
